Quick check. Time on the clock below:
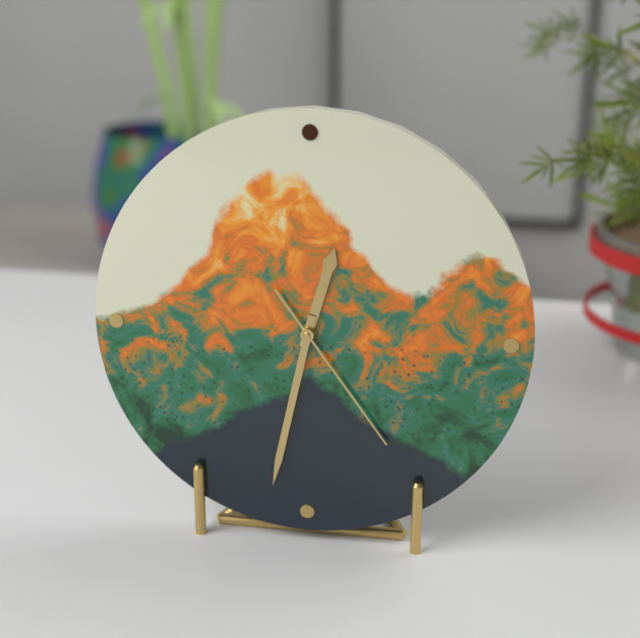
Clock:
12:32:24
